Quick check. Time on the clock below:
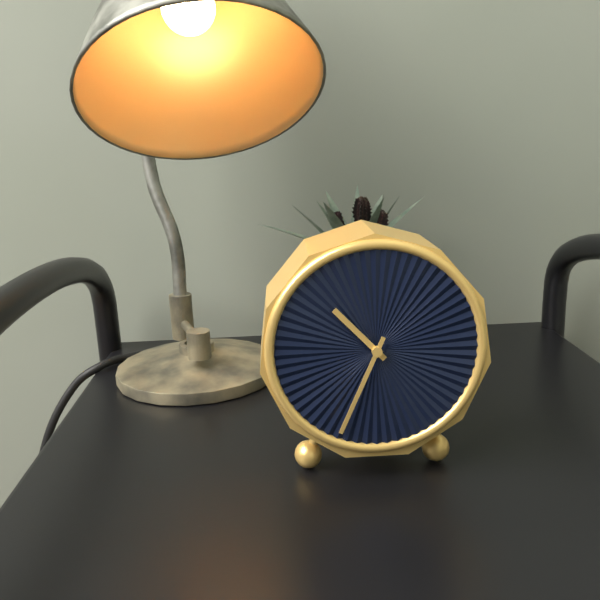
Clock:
10:34
